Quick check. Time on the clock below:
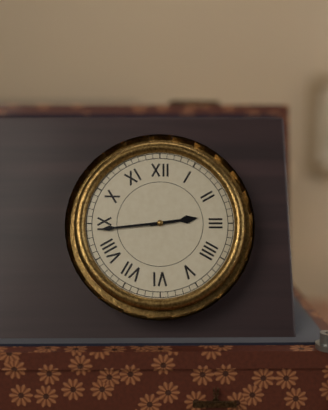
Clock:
2:44
